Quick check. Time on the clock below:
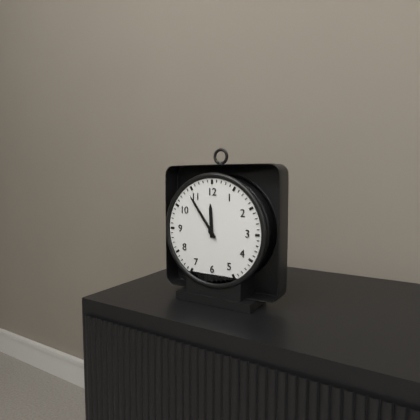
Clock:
11:54
